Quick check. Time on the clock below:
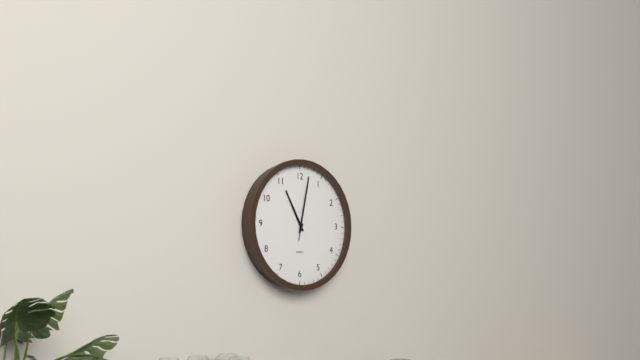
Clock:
11:02:02
